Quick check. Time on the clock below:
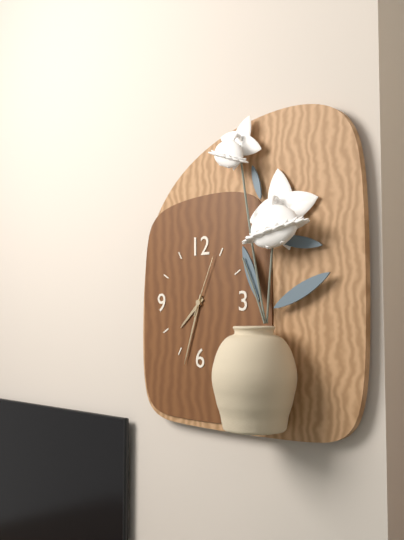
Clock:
7:33:04
